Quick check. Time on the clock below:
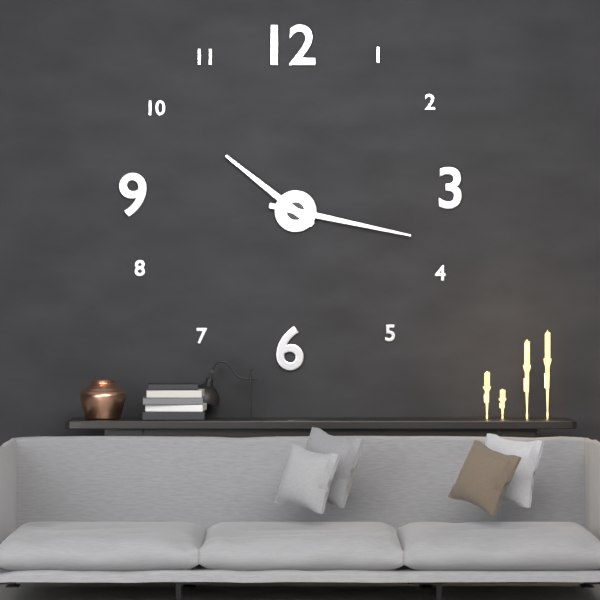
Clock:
10:17
